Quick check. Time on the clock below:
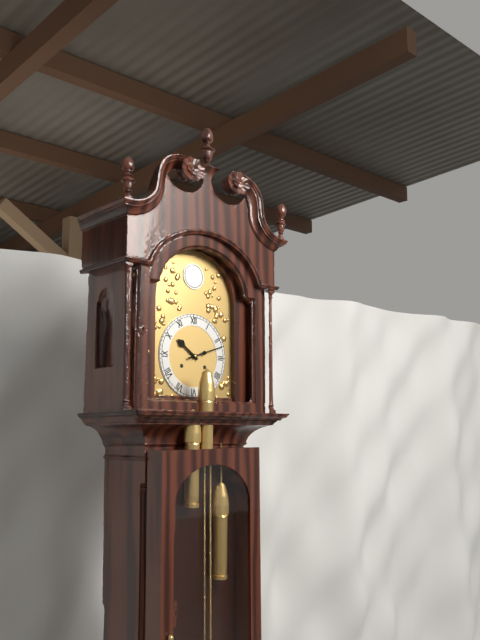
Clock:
10:12
